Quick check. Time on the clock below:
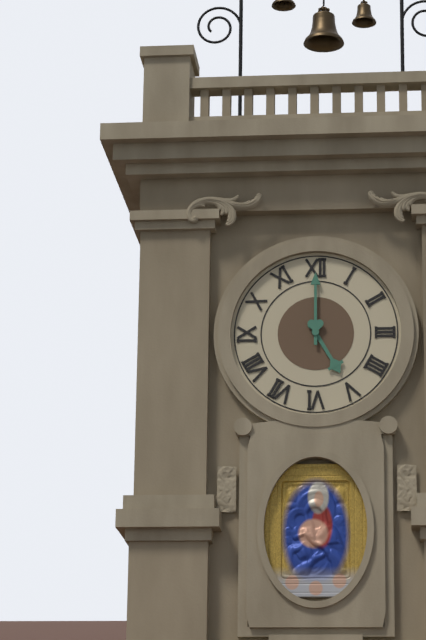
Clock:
5:00
